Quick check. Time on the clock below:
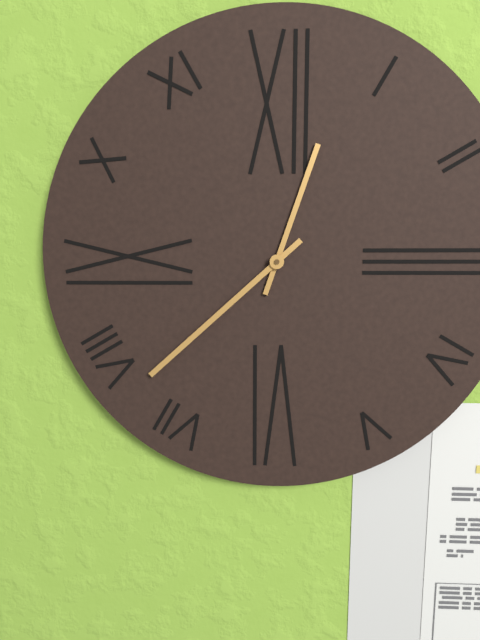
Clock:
12:38
